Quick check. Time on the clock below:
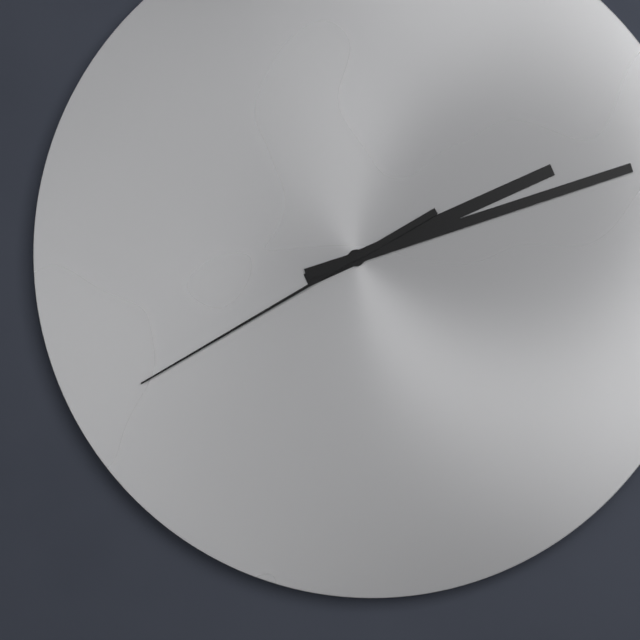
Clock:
2:12:40
